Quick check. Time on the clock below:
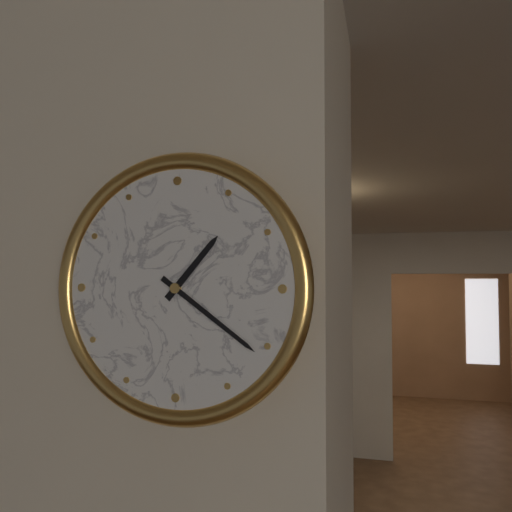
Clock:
1:21
